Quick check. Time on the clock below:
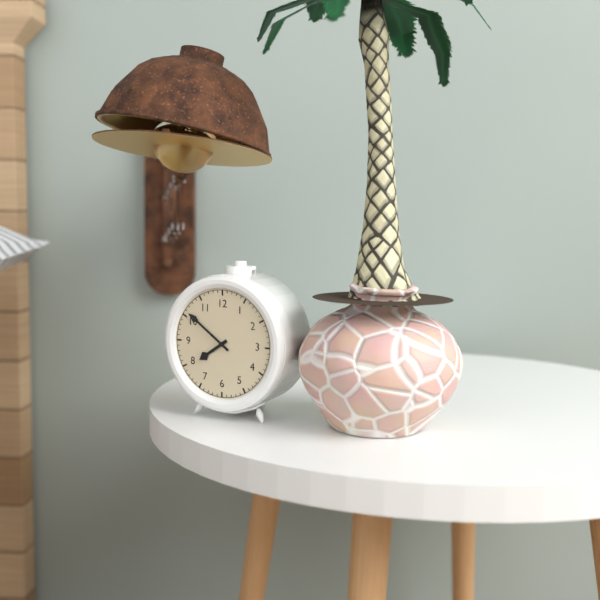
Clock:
7:51
